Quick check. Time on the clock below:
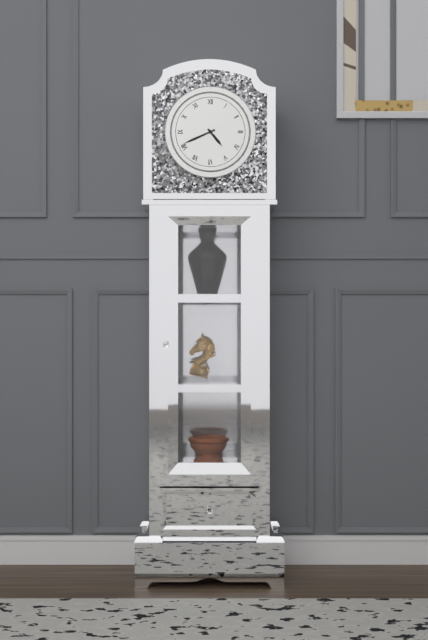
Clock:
4:41
